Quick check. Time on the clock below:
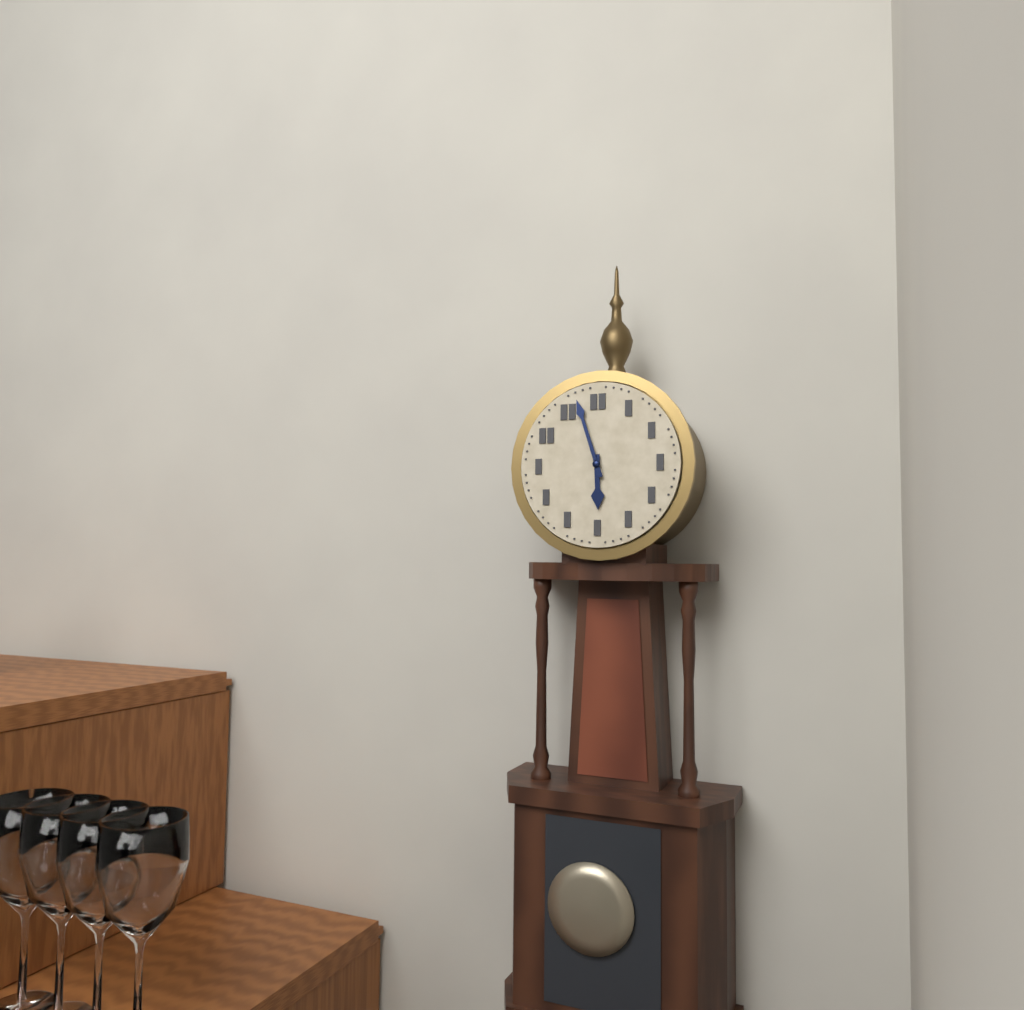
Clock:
5:57
